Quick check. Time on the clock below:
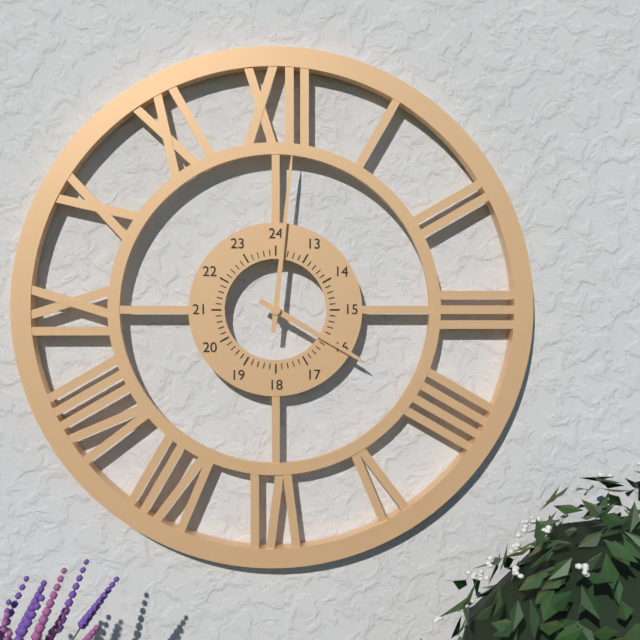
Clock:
4:01
